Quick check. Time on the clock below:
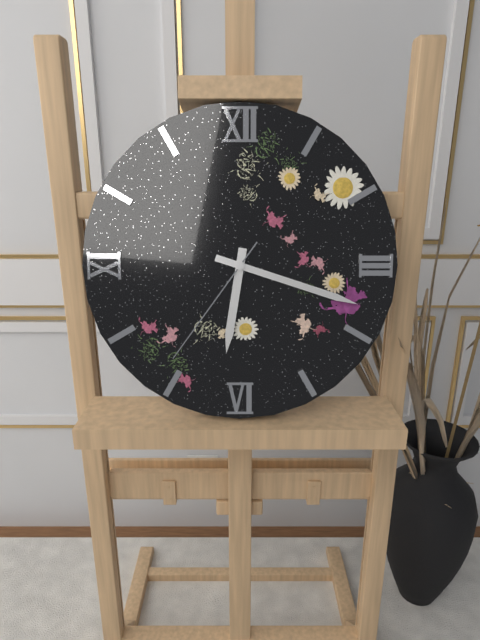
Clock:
6:18:36
